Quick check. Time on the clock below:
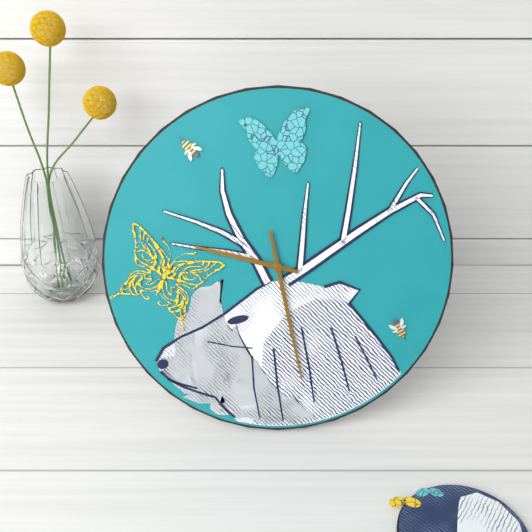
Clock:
9:28
